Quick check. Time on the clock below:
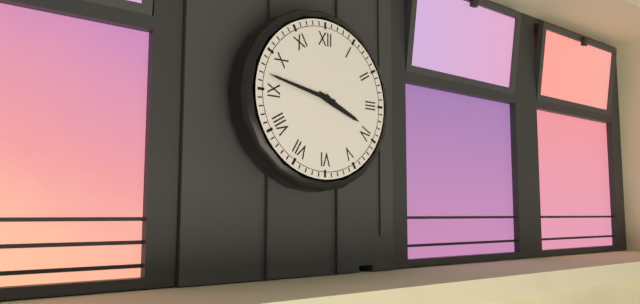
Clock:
3:47
